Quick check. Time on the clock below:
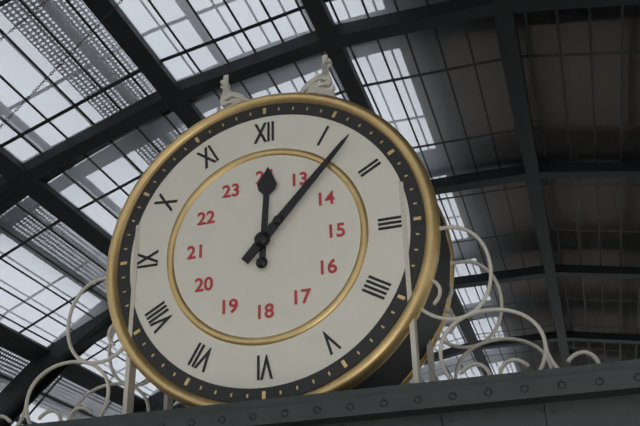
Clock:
12:07
